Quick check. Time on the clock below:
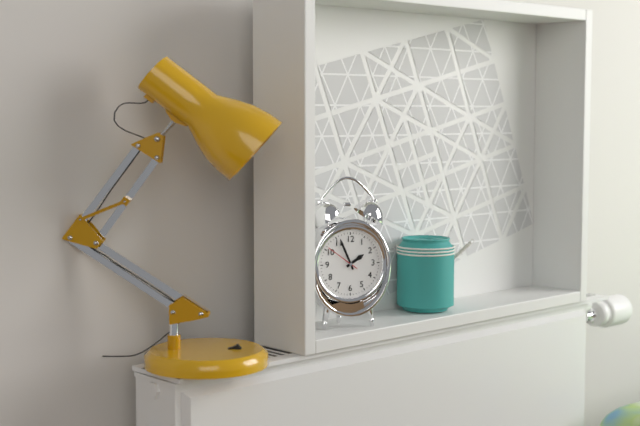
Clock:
1:56
